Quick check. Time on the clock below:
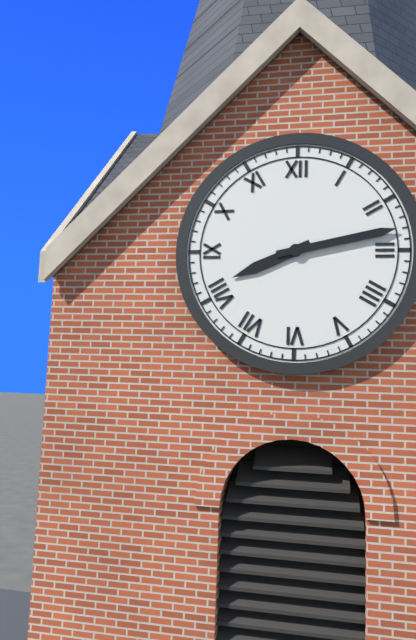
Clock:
8:13
